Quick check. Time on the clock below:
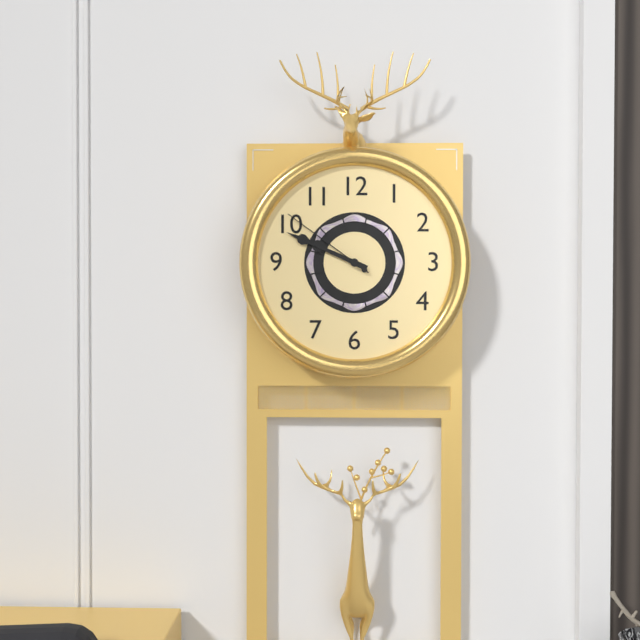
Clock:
9:49:51
